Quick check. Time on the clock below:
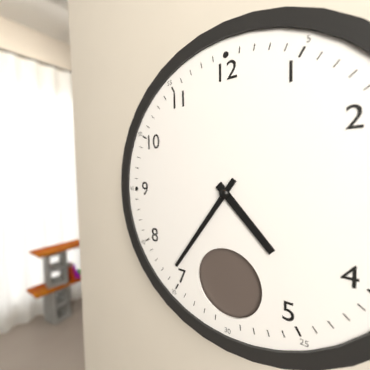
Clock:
4:36
